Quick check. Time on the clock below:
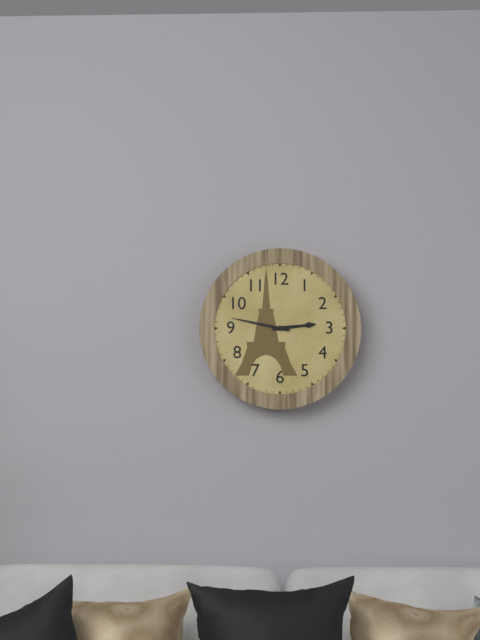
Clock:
2:47
